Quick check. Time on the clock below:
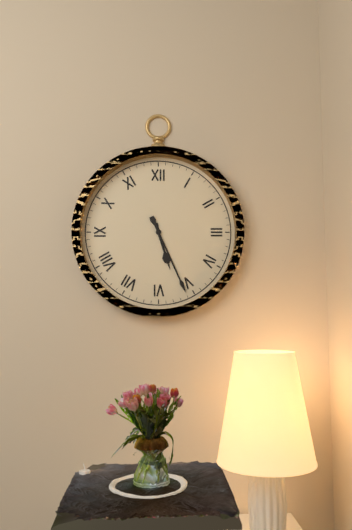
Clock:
5:26
